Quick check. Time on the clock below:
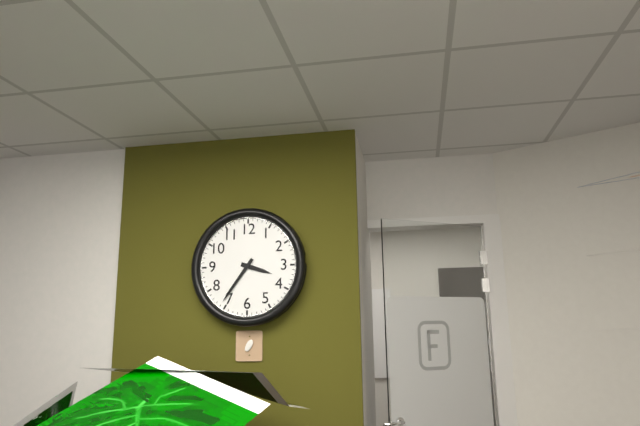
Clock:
3:36
